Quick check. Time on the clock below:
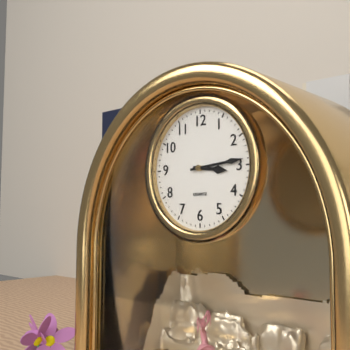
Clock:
3:14
